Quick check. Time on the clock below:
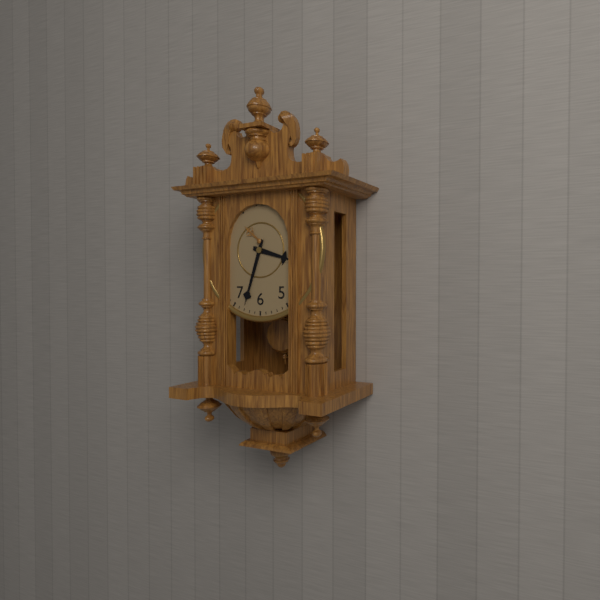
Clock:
3:33
